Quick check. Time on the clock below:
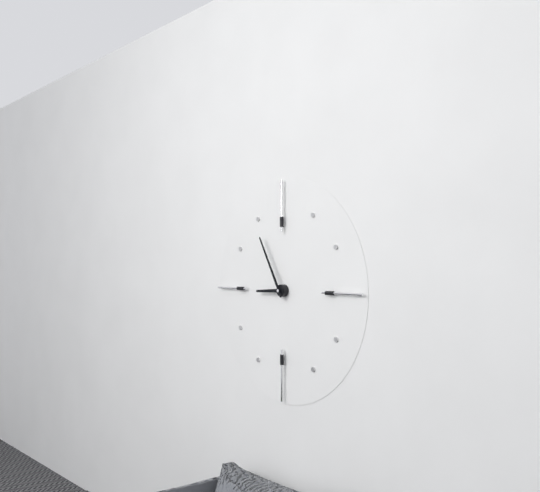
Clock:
8:55
